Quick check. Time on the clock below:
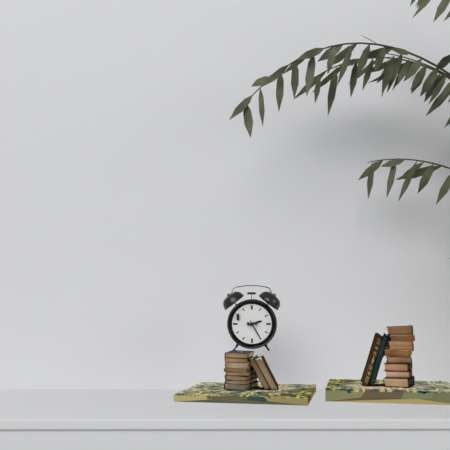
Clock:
2:25
